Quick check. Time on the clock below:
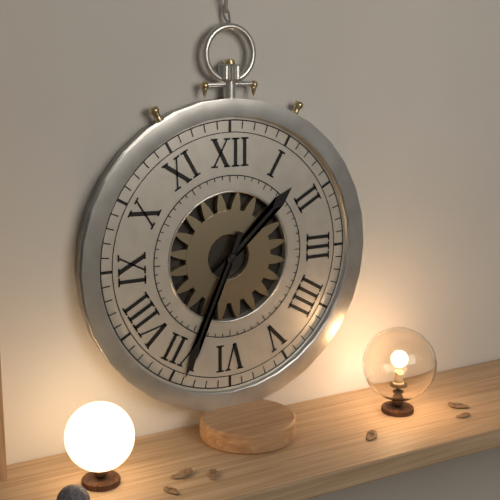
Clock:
1:34
